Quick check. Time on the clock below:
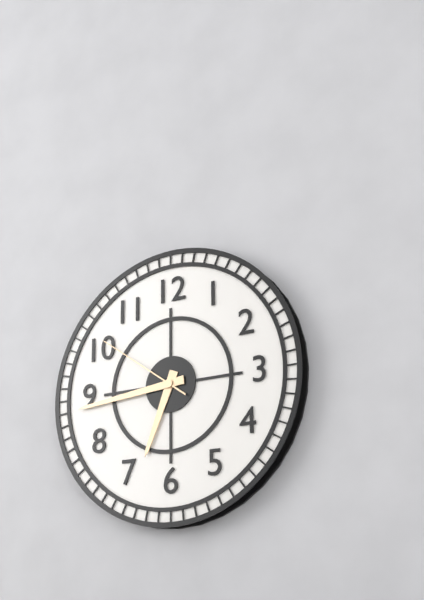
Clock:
6:44:51
